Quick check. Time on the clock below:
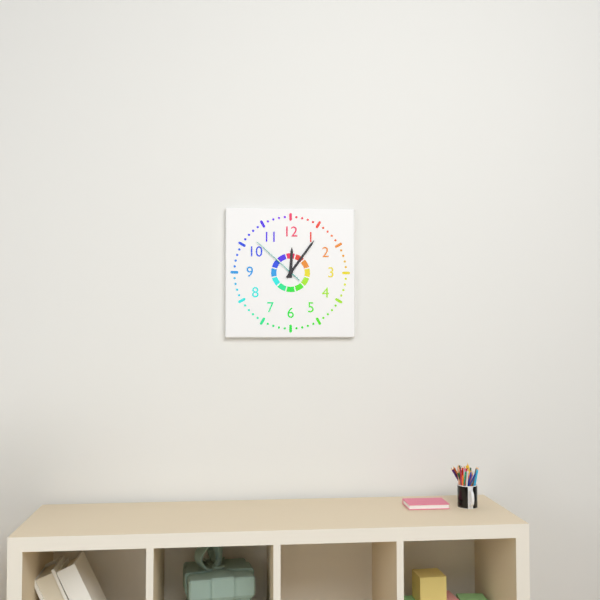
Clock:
12:06:52
